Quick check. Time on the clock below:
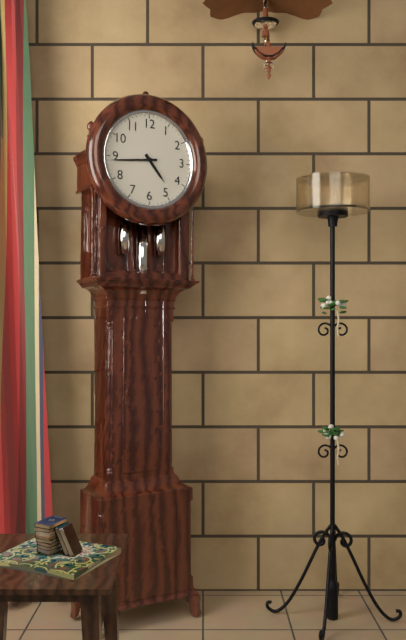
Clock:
4:44
